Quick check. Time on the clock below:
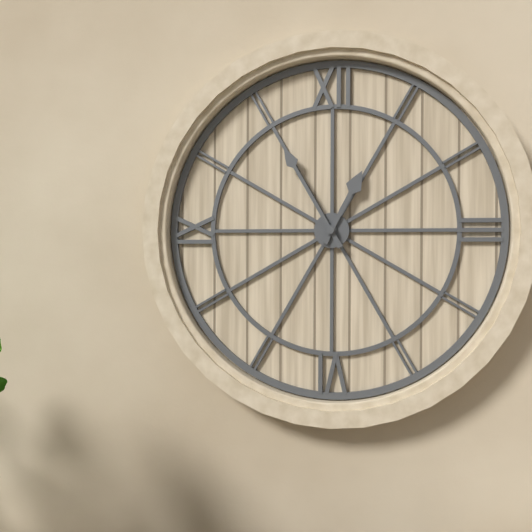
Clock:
12:55
